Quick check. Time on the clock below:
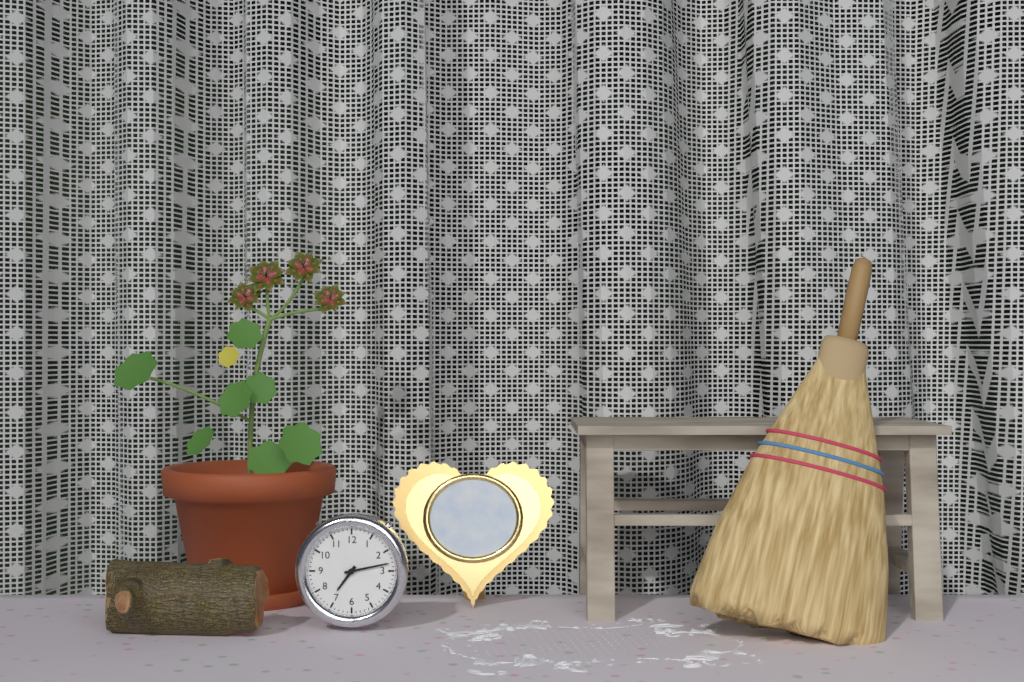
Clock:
7:13
